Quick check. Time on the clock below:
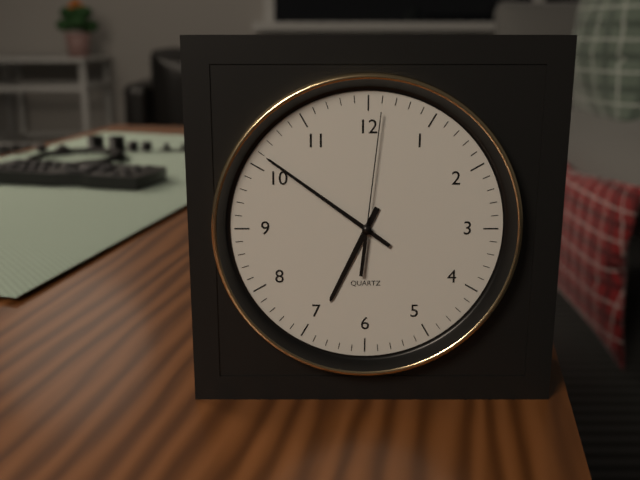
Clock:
6:51:01
